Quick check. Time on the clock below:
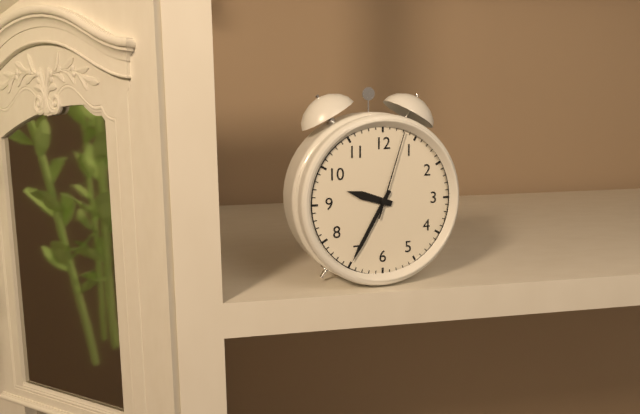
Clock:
9:35:03
